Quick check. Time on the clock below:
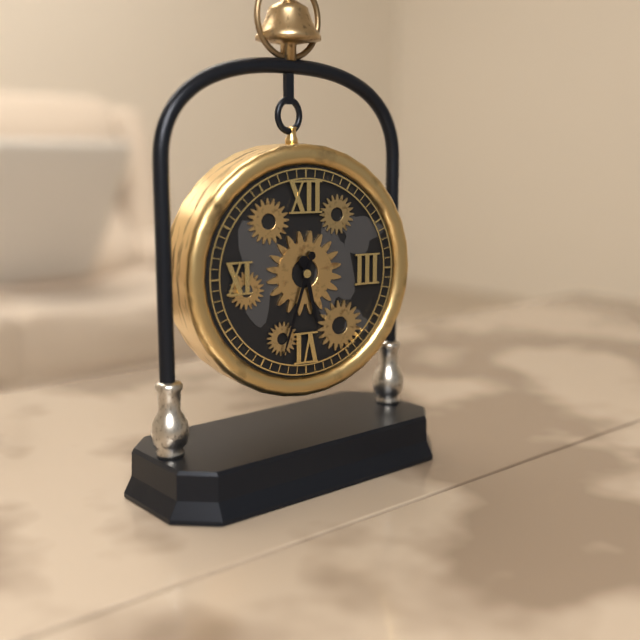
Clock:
5:33
